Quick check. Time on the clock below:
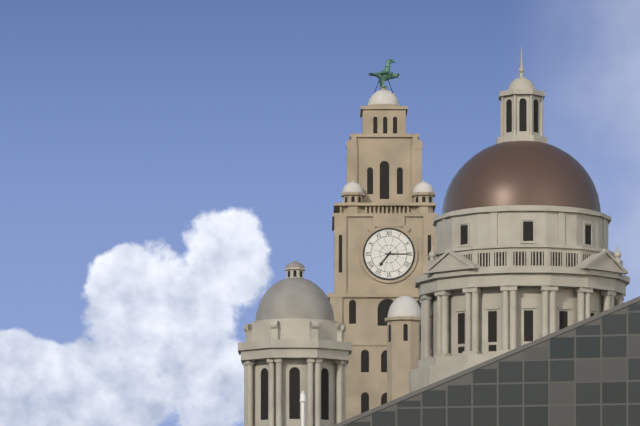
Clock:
7:15
